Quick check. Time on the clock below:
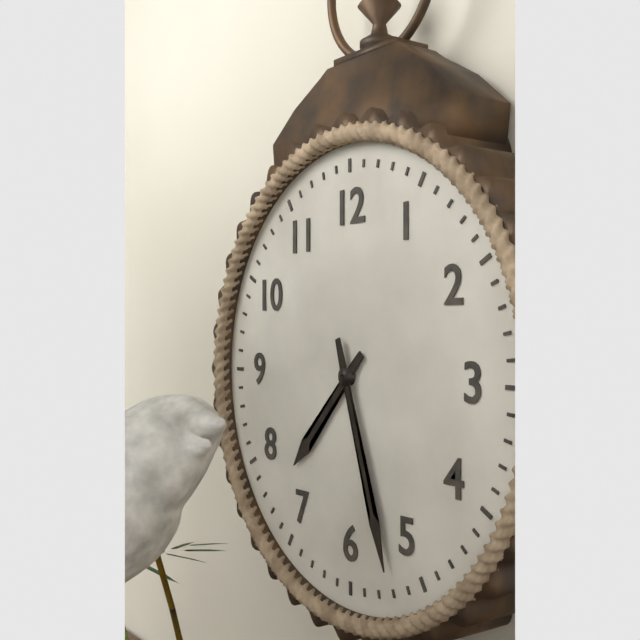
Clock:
7:27
